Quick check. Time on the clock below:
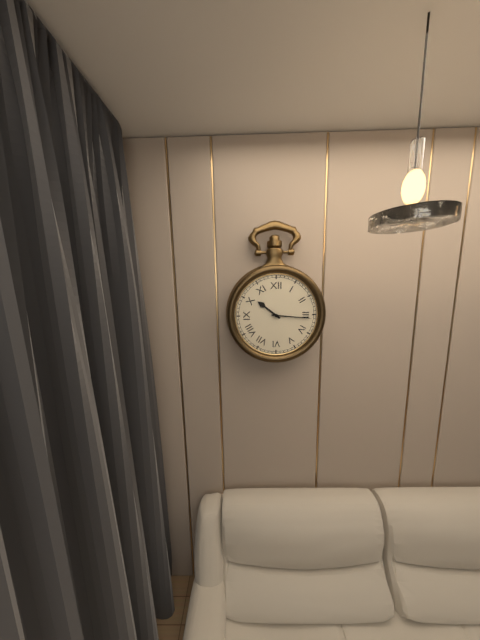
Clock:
10:16
